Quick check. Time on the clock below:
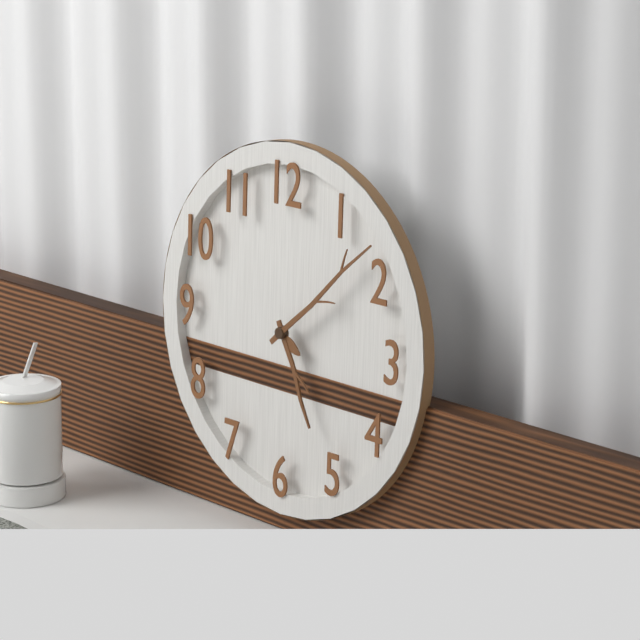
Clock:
5:08
